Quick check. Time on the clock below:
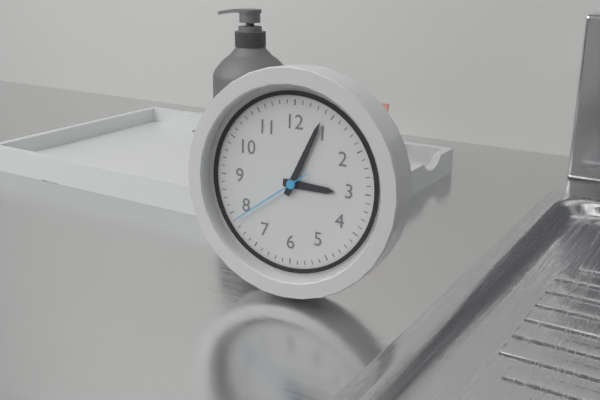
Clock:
3:04:39
